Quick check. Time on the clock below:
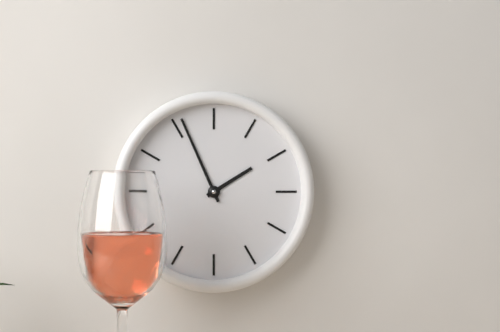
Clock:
1:56
